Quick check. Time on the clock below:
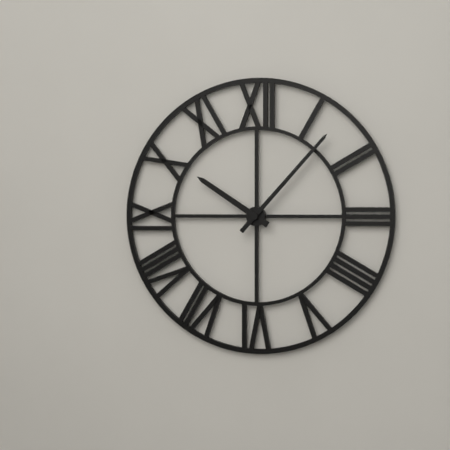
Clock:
10:07
